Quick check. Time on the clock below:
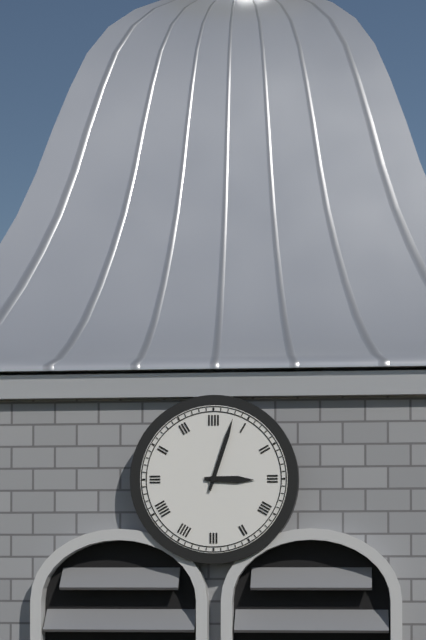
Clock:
3:03
